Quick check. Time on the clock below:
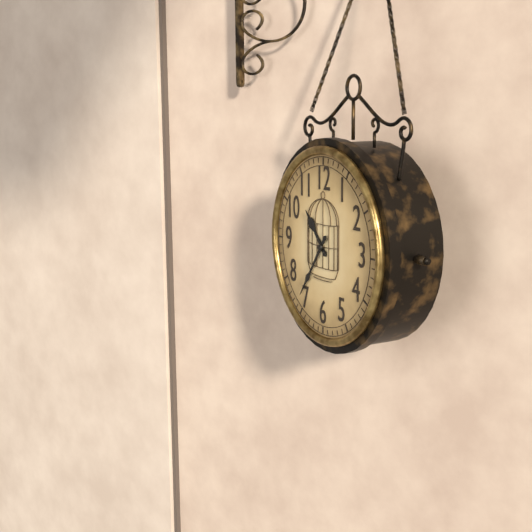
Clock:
10:36
